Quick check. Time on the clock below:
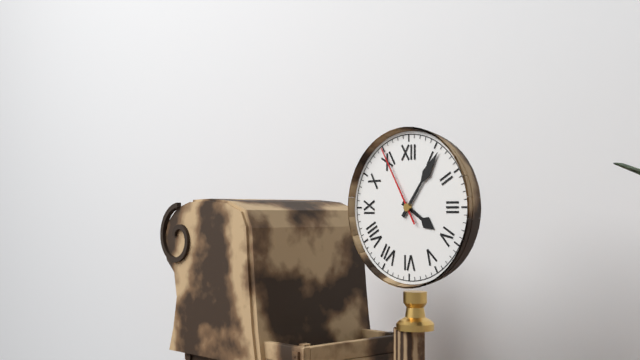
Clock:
4:06:55
